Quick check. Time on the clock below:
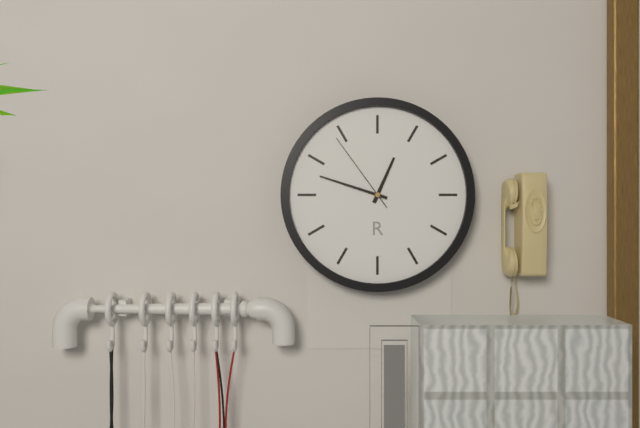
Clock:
12:48:54
